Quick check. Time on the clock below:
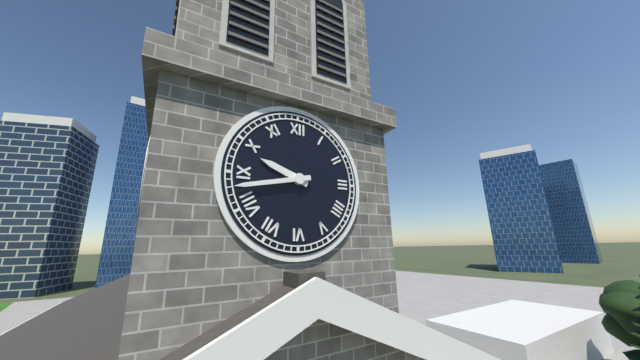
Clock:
9:43
